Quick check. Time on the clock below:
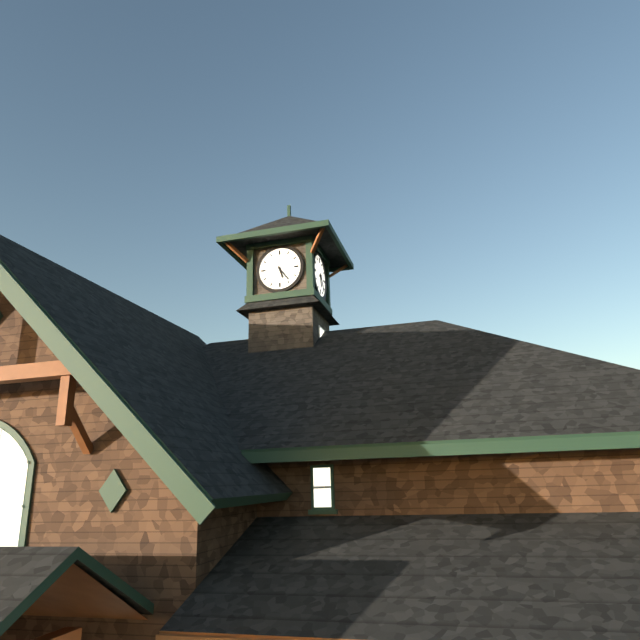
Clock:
5:24
